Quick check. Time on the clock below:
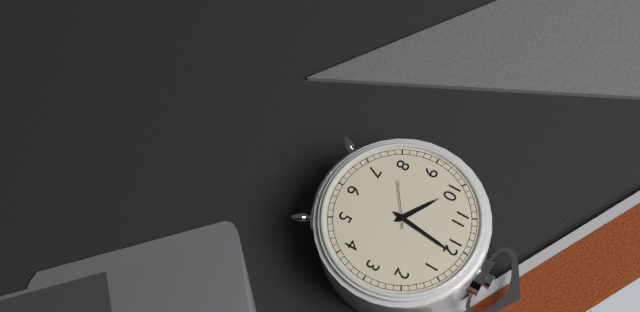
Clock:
10:01
